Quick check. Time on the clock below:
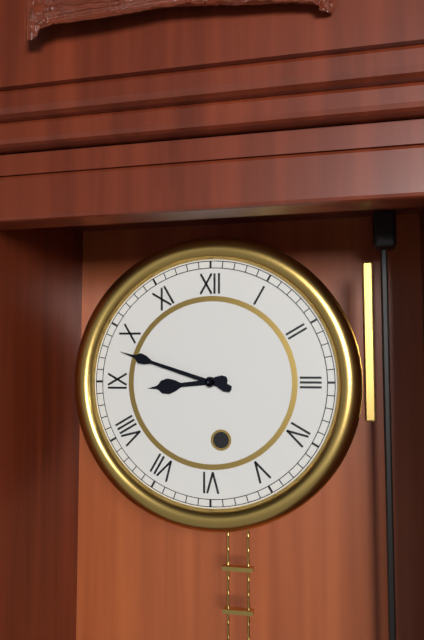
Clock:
8:48
